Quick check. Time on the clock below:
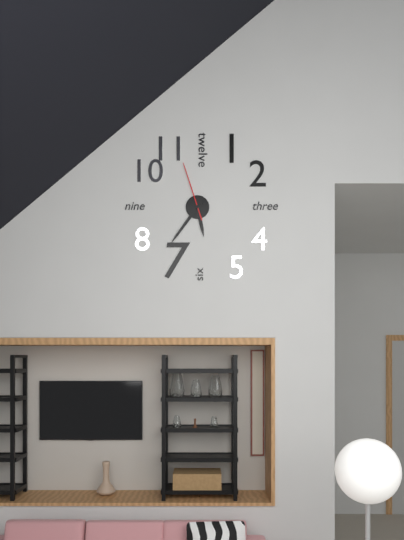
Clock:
5:36:57
